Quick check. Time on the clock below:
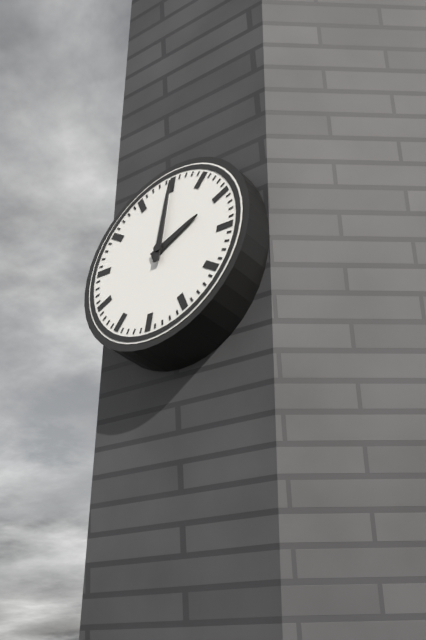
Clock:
2:00
